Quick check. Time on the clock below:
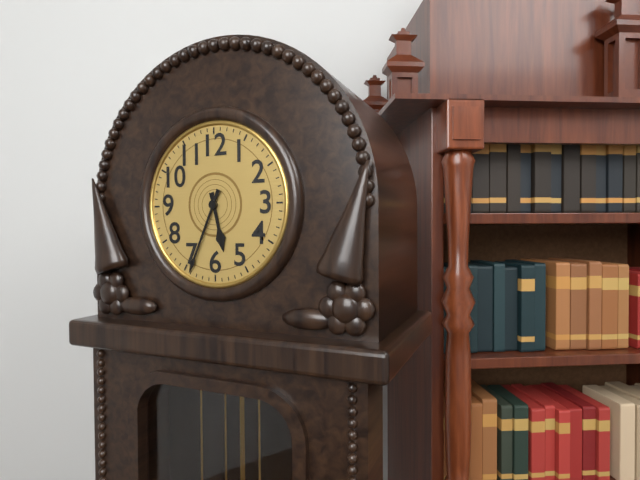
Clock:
5:34
